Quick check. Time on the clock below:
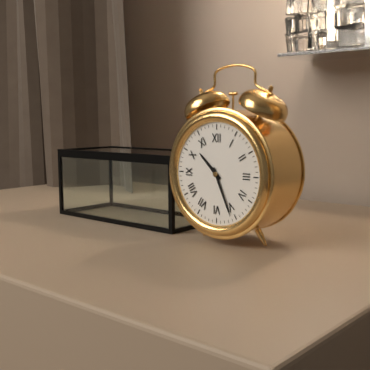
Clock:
10:26
